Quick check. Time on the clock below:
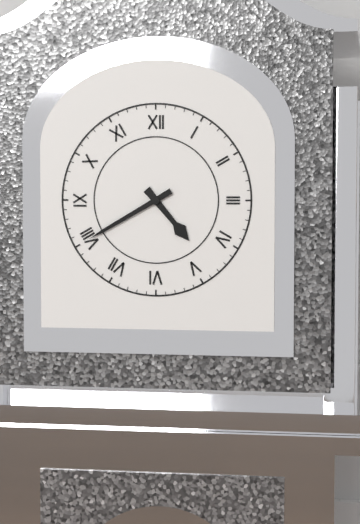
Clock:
4:40
